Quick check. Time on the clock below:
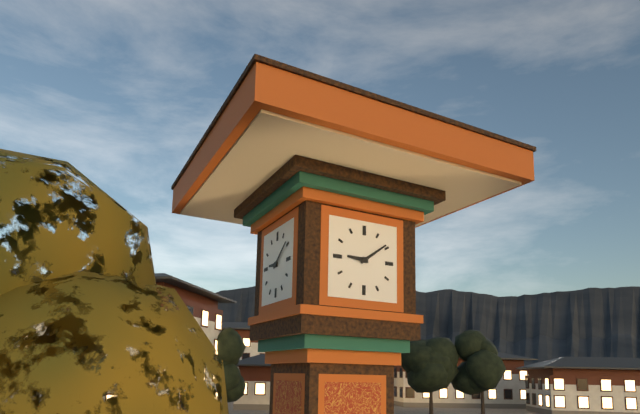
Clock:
9:09
